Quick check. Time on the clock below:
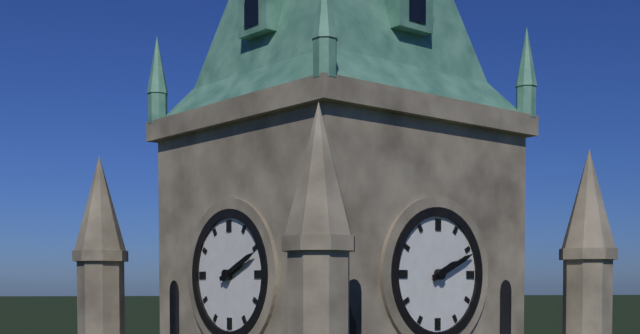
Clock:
2:11
